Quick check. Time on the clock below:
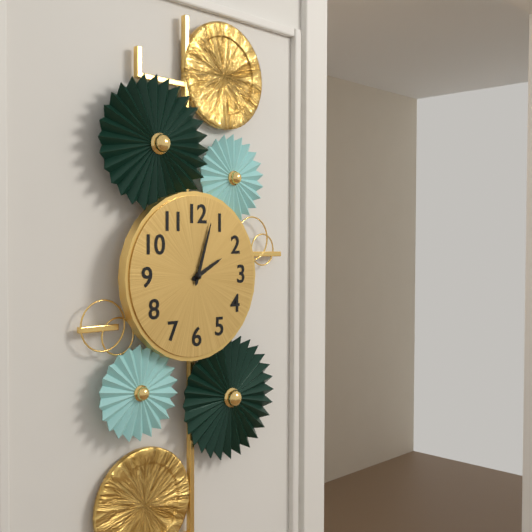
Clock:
2:03
